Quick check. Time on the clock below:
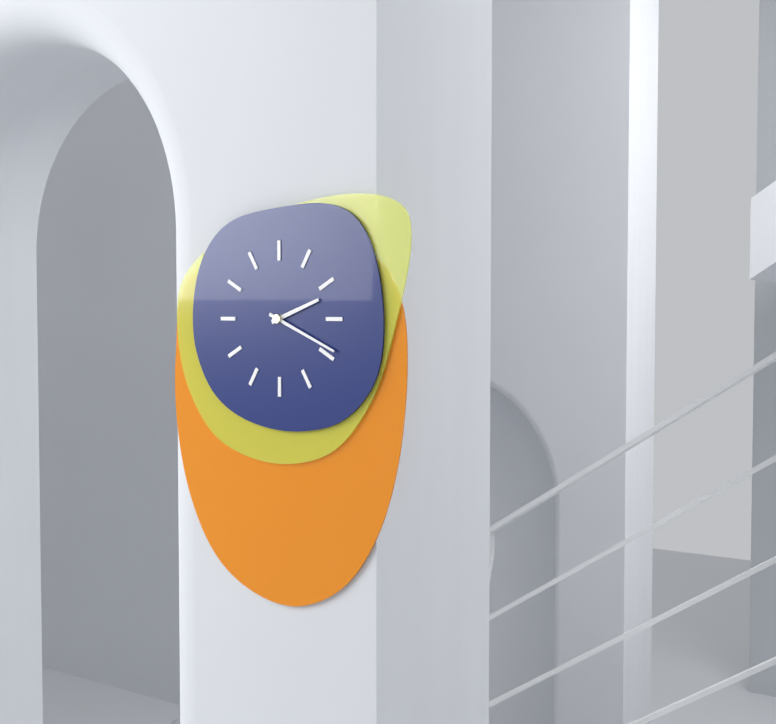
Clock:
2:19
